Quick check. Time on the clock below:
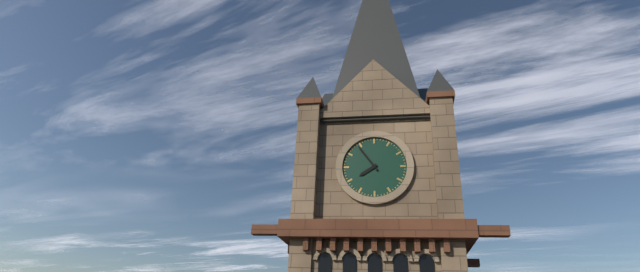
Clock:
7:54
